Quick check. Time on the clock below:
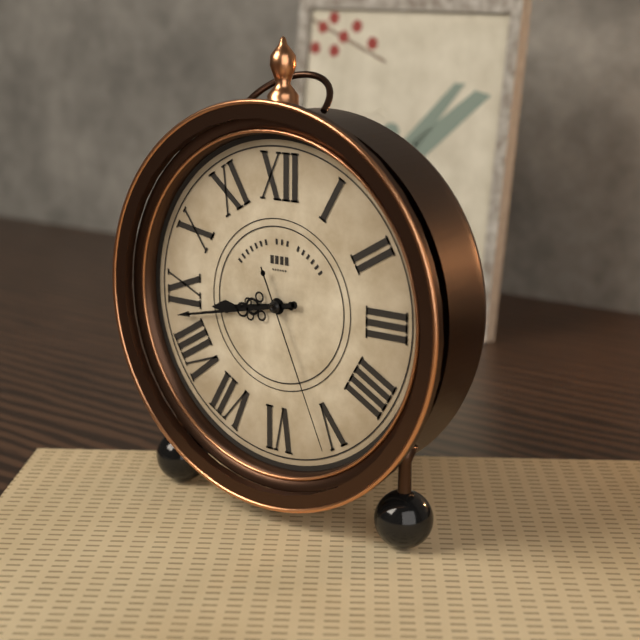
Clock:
8:43:26
